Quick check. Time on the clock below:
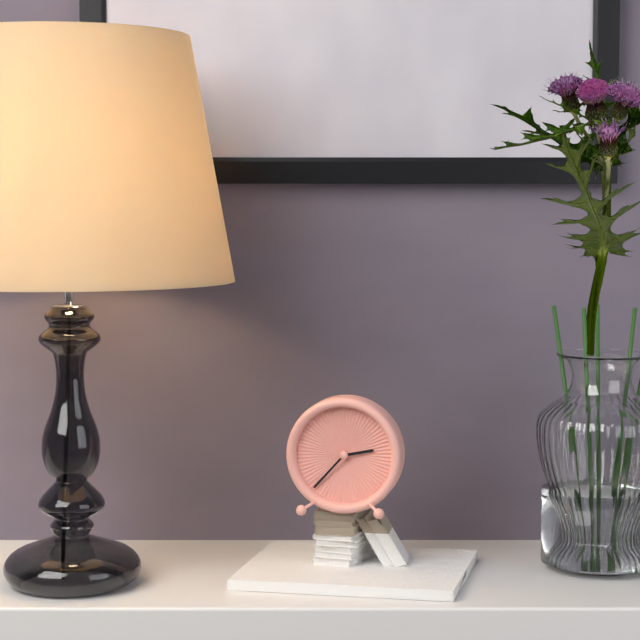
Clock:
2:37
